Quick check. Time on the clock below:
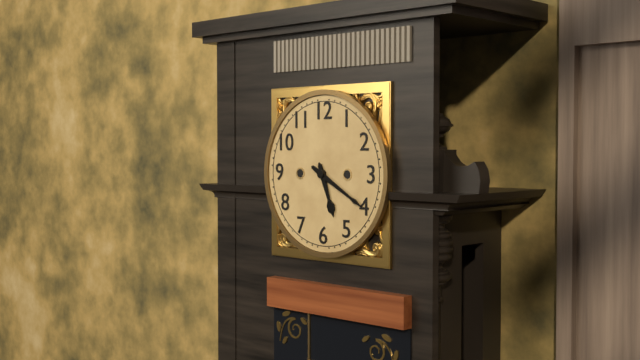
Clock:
5:20
